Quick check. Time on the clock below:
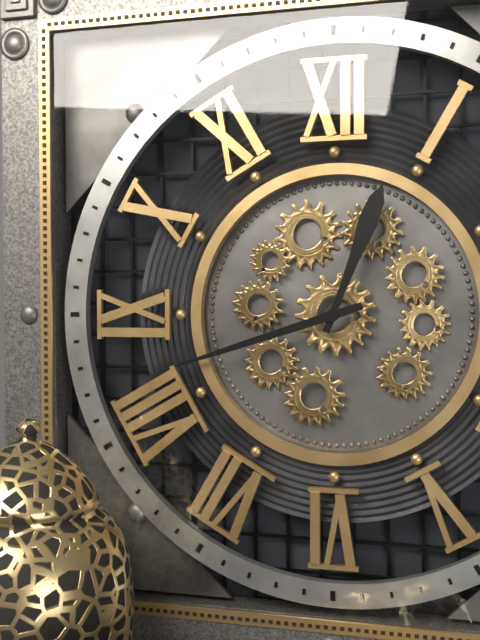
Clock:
12:42
